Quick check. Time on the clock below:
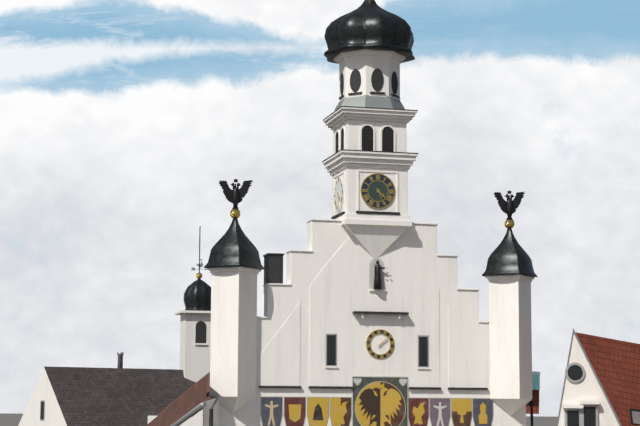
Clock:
4:26
